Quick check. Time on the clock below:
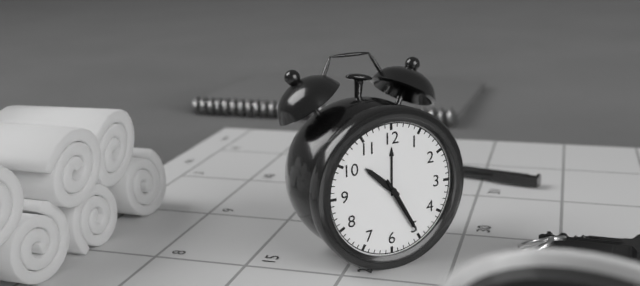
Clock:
10:25:25
